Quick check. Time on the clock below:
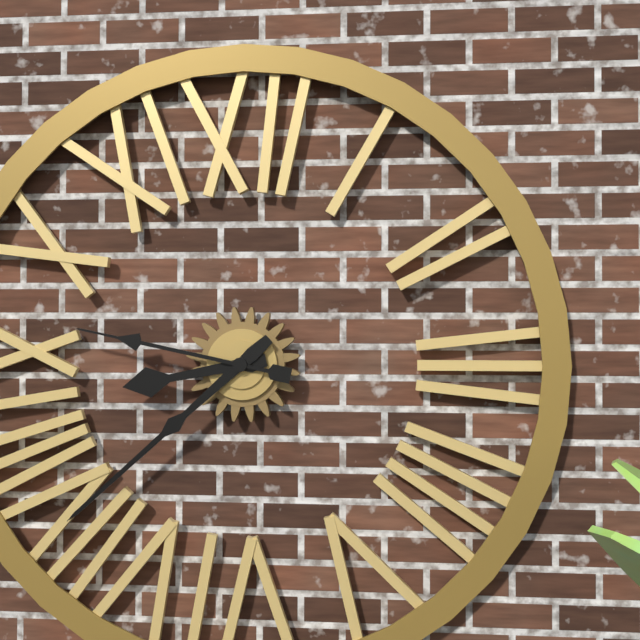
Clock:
8:38:47
